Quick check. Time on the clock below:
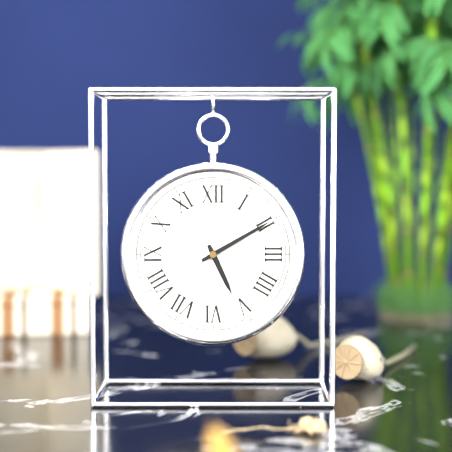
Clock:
5:10
